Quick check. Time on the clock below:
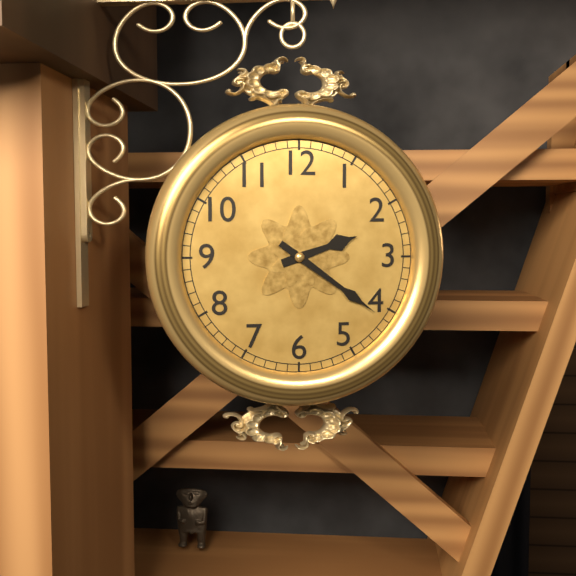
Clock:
2:21
